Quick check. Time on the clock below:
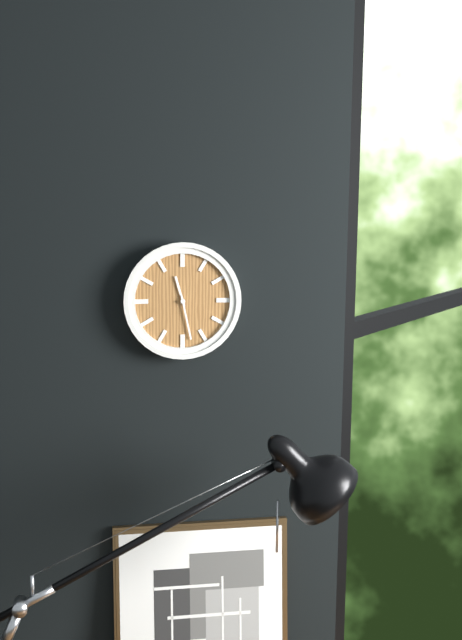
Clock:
11:28
